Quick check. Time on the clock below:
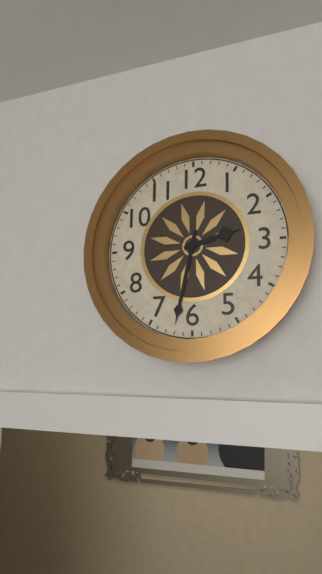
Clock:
2:32
